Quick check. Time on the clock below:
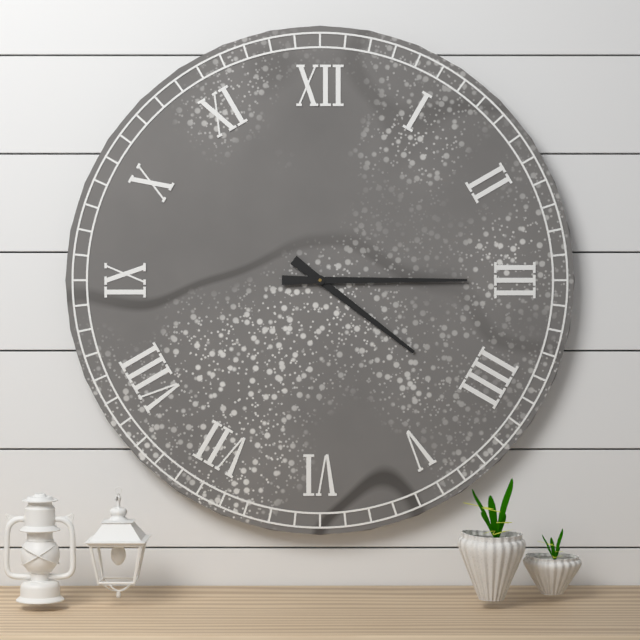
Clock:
4:15
